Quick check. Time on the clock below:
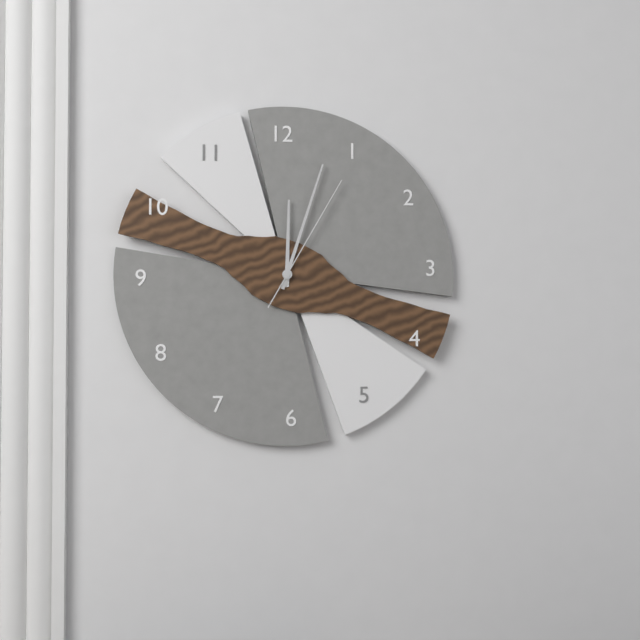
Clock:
12:03:05
